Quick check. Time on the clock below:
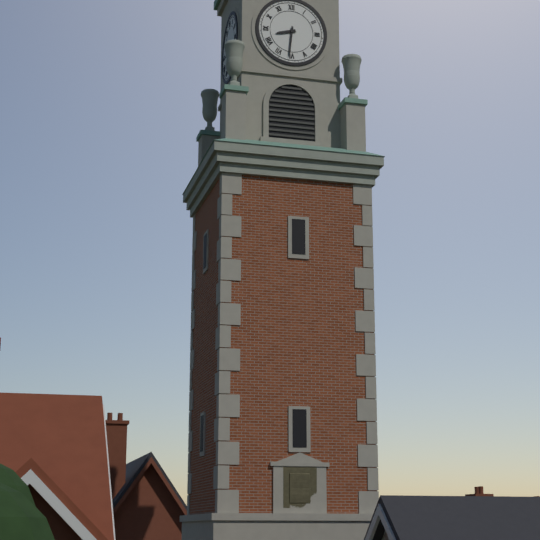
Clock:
8:31
